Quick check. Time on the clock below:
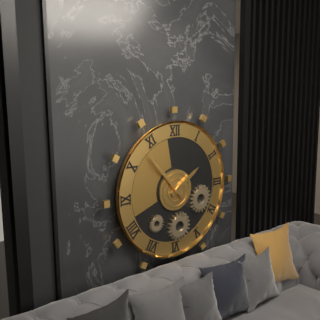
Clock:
1:53
